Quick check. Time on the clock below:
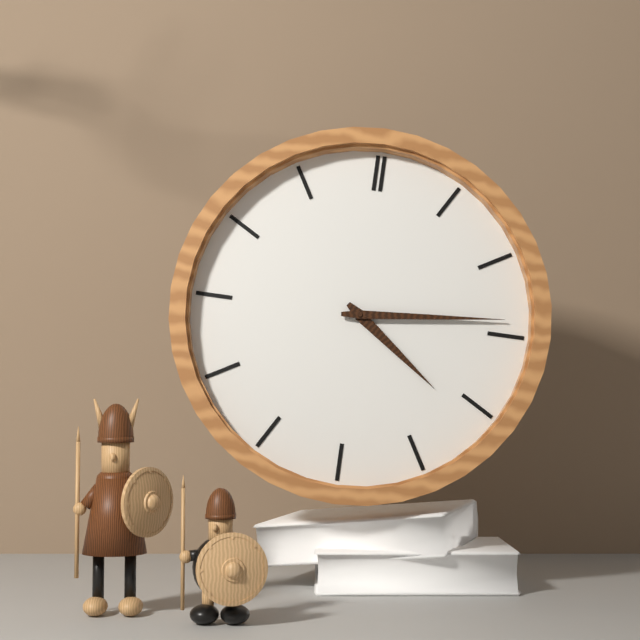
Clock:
4:14
